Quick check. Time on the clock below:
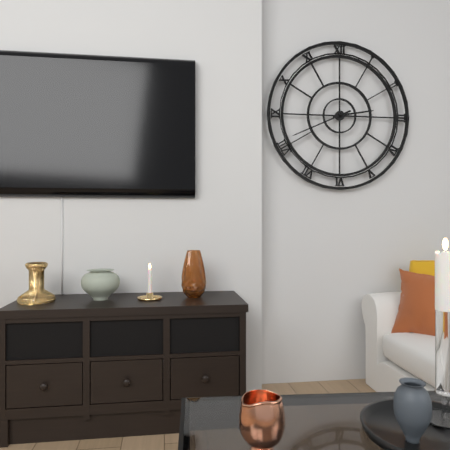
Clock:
2:41
